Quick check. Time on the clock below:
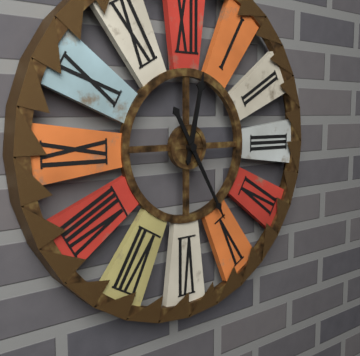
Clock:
12:25
